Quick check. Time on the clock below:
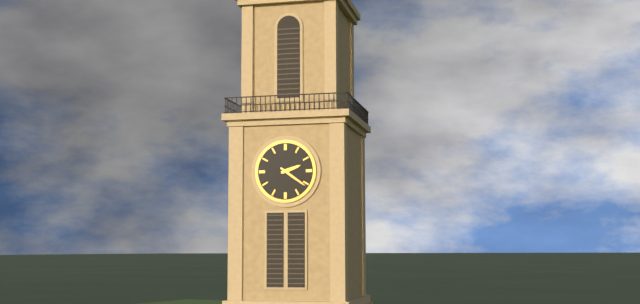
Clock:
2:21
